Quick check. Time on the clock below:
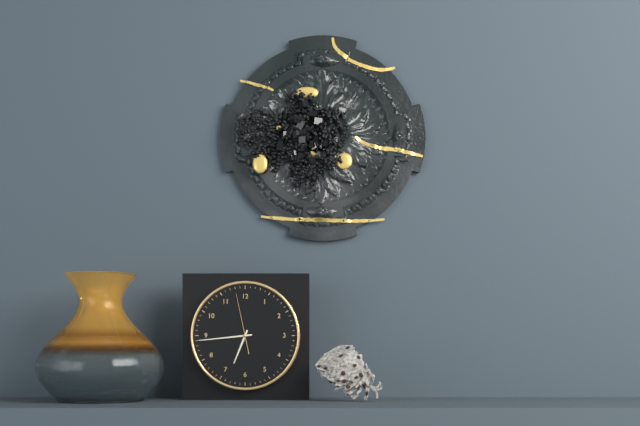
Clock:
6:44:58
